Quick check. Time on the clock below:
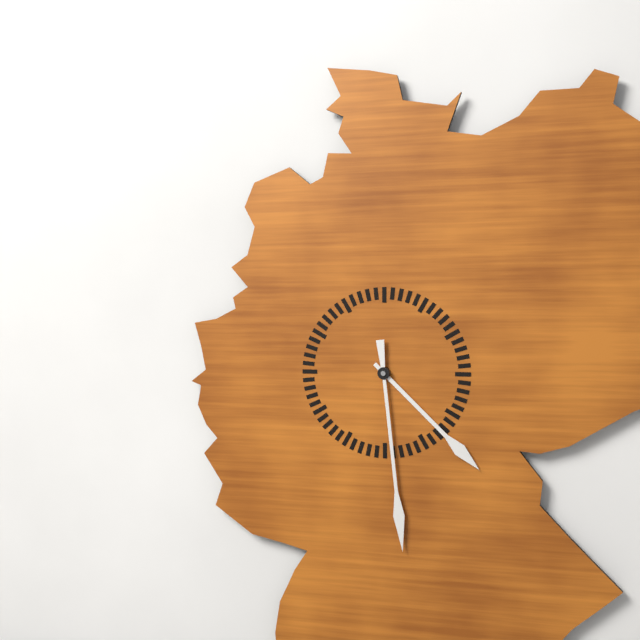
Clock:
4:29
